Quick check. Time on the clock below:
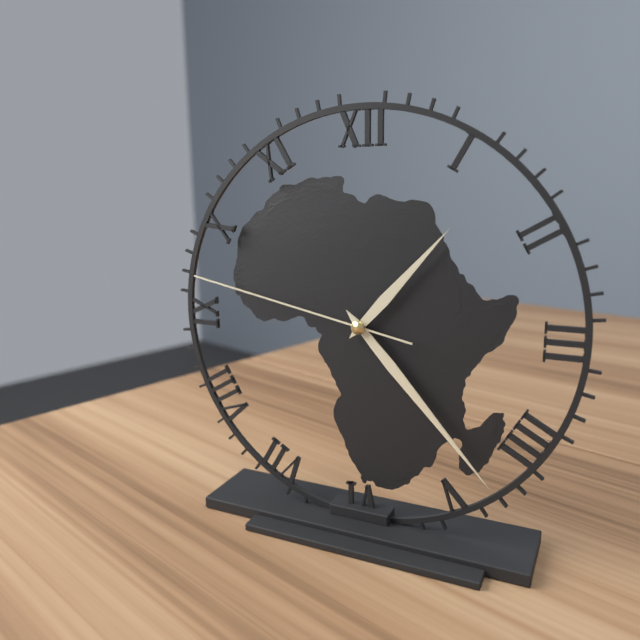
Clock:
1:23:47
